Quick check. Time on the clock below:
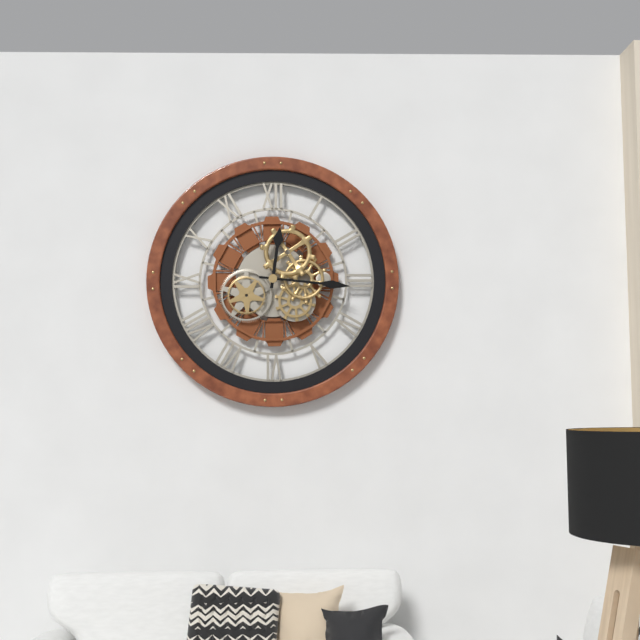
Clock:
12:16
